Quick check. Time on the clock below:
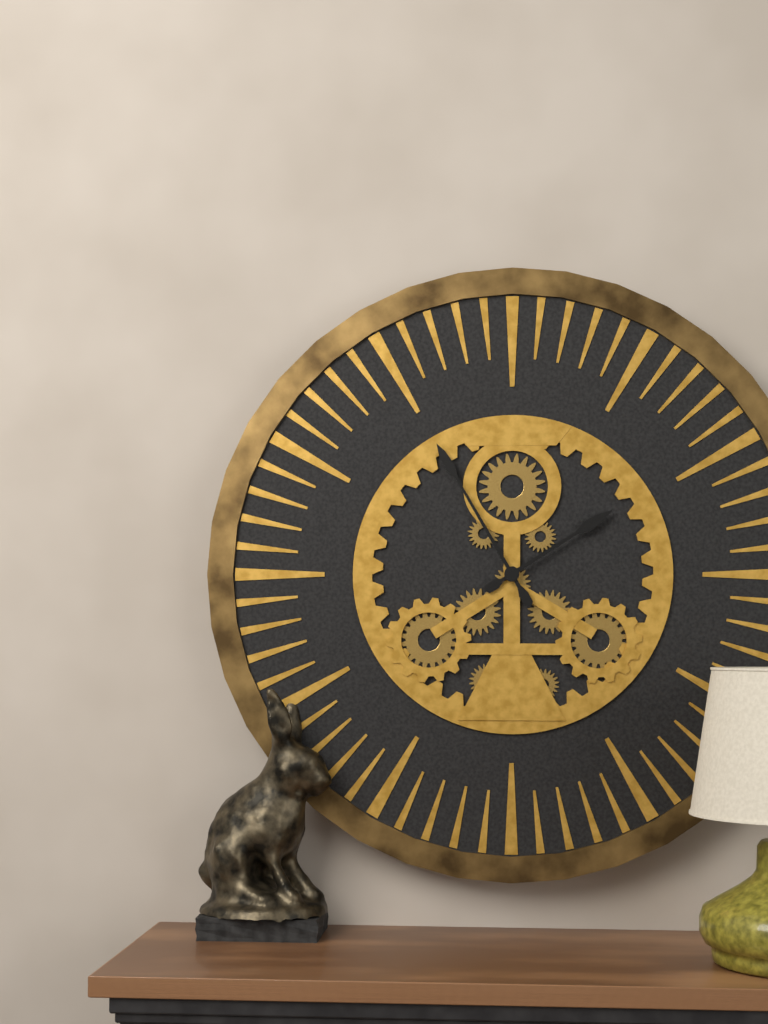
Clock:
1:55
